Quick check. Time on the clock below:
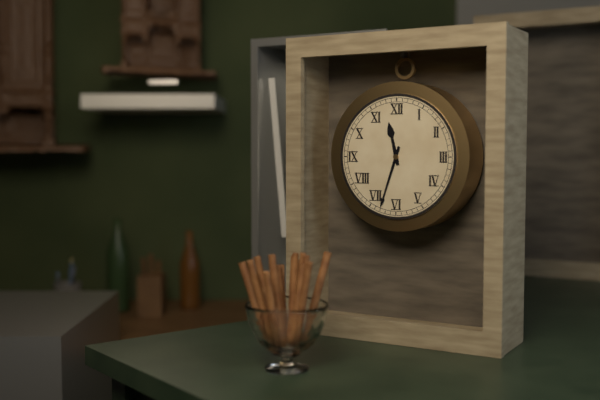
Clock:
11:33
